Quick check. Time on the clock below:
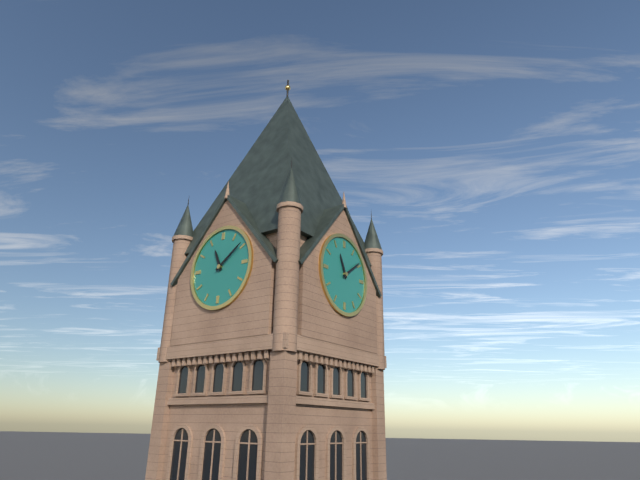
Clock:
11:09
